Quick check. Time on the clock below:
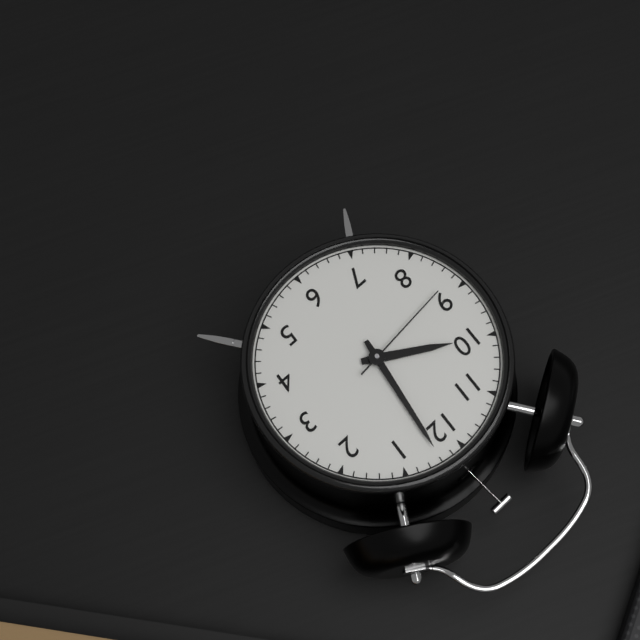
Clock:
10:02:44
